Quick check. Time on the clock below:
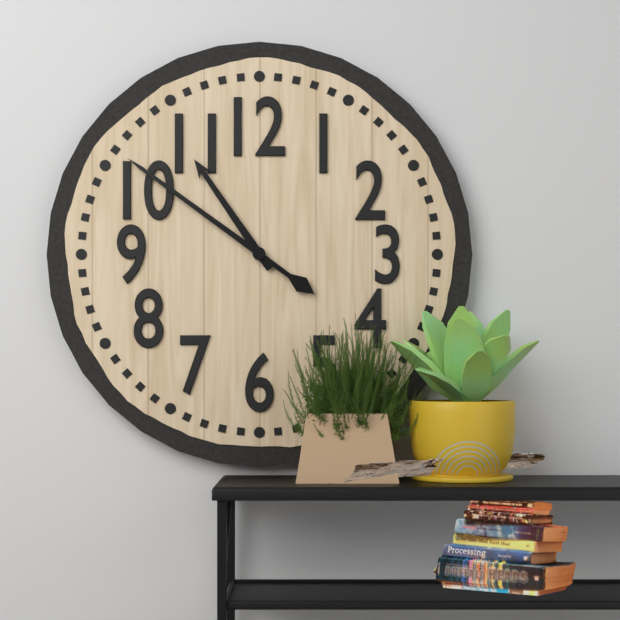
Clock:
10:51
